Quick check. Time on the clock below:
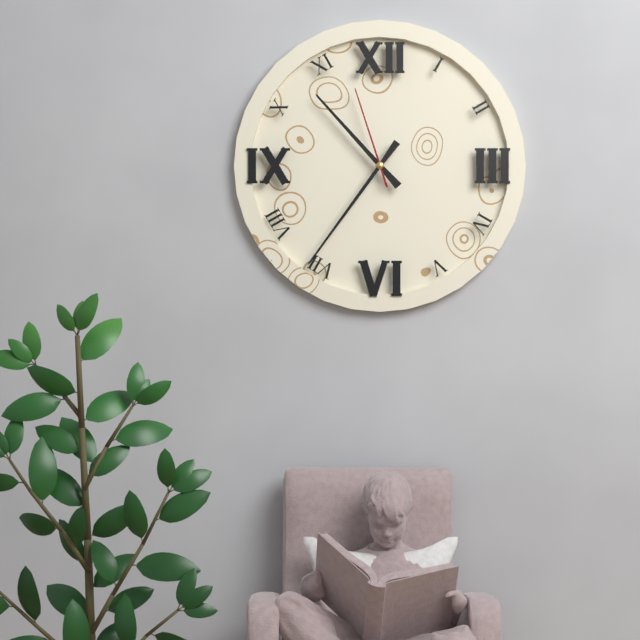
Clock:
10:36:57
